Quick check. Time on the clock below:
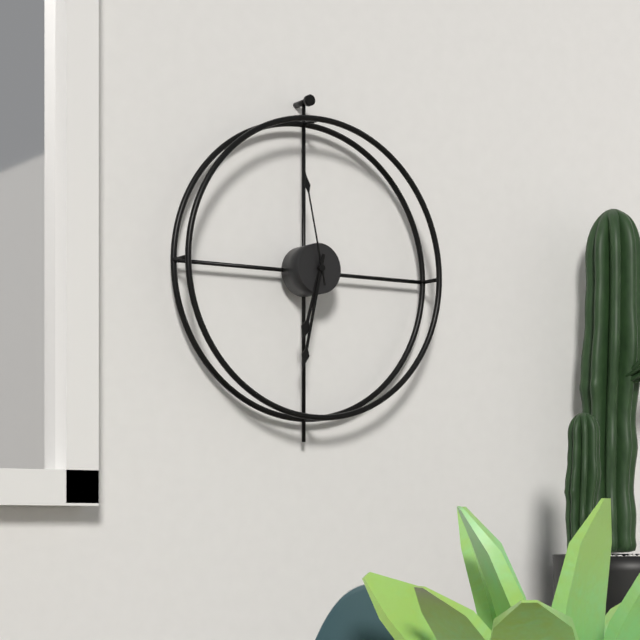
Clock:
6:32:58
